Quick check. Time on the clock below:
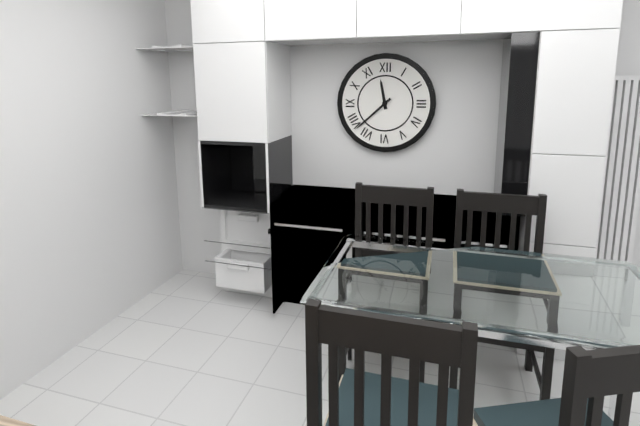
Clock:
11:38
